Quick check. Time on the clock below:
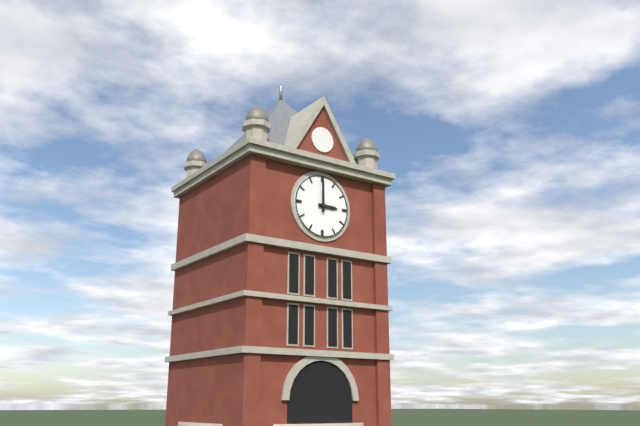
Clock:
3:00
